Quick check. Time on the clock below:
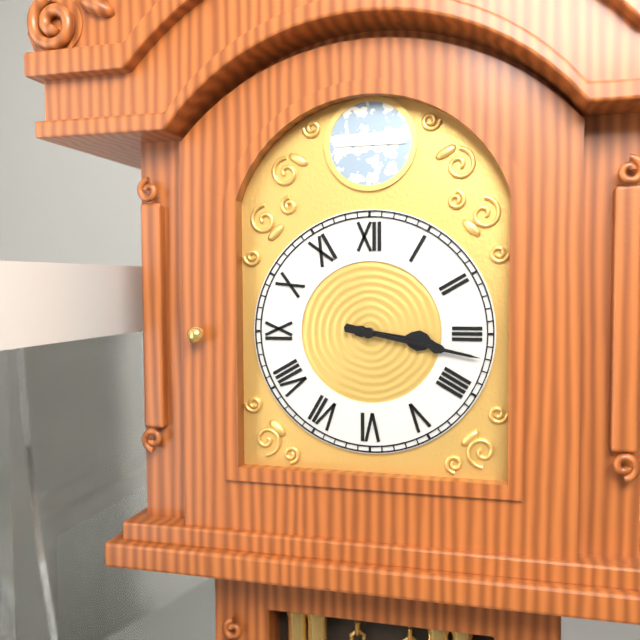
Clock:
3:17
